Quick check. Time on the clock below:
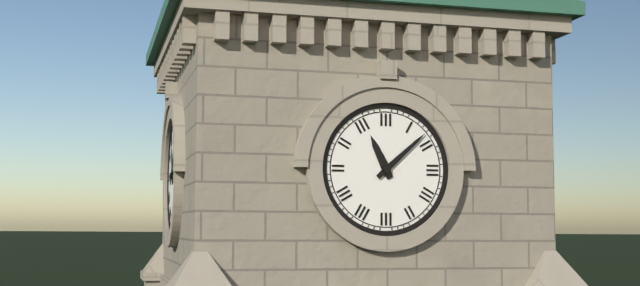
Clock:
11:08
